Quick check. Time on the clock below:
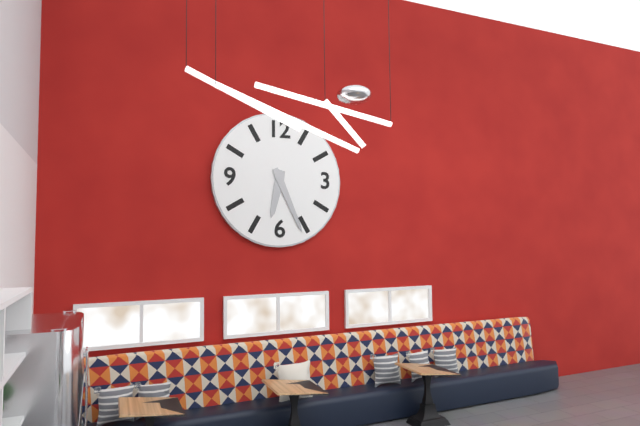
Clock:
6:26
